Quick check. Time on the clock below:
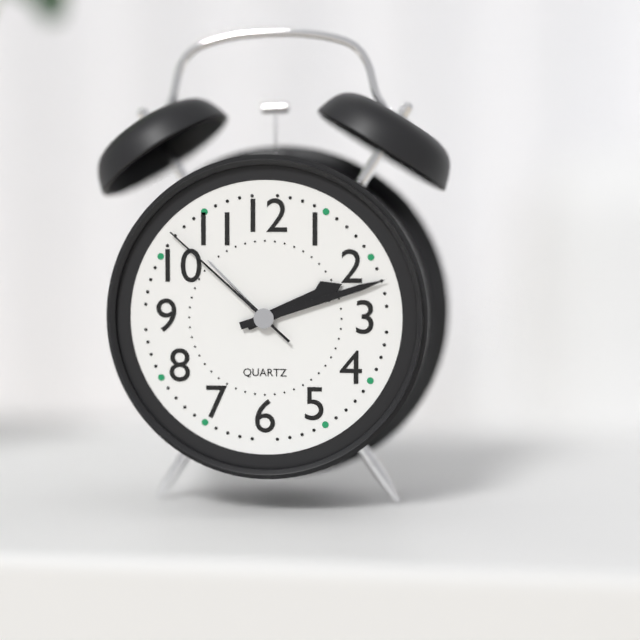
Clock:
2:12:52
